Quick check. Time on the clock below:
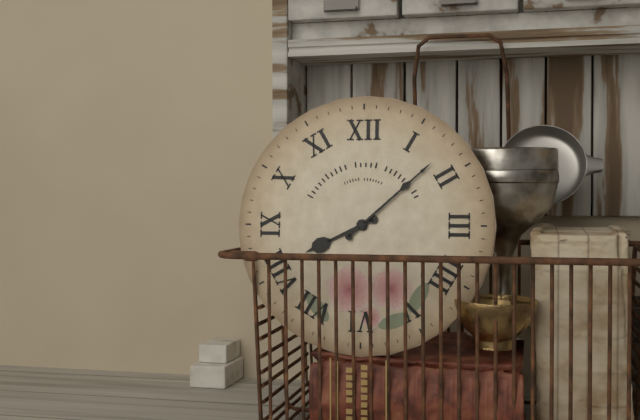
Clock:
8:08
